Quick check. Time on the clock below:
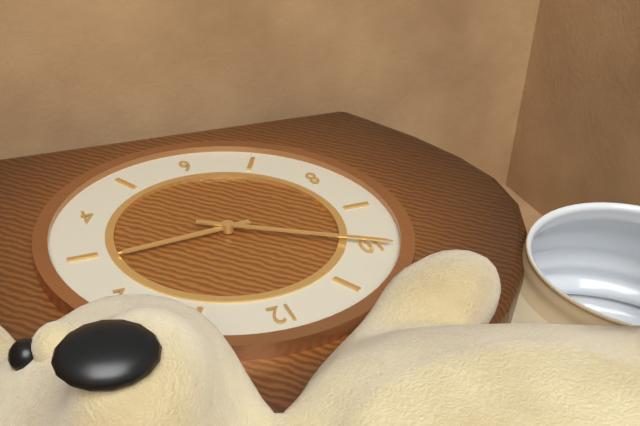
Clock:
2:50
